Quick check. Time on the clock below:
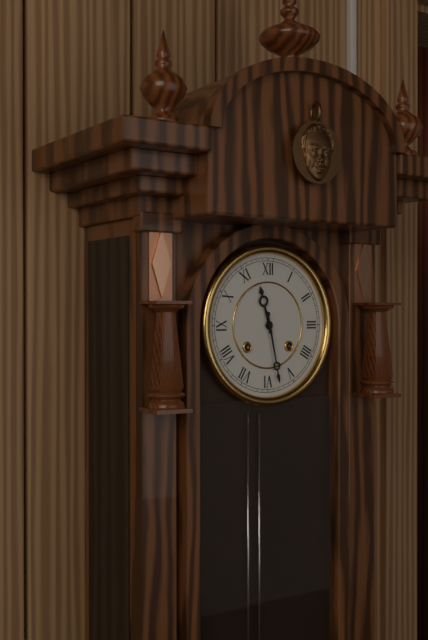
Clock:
11:28
